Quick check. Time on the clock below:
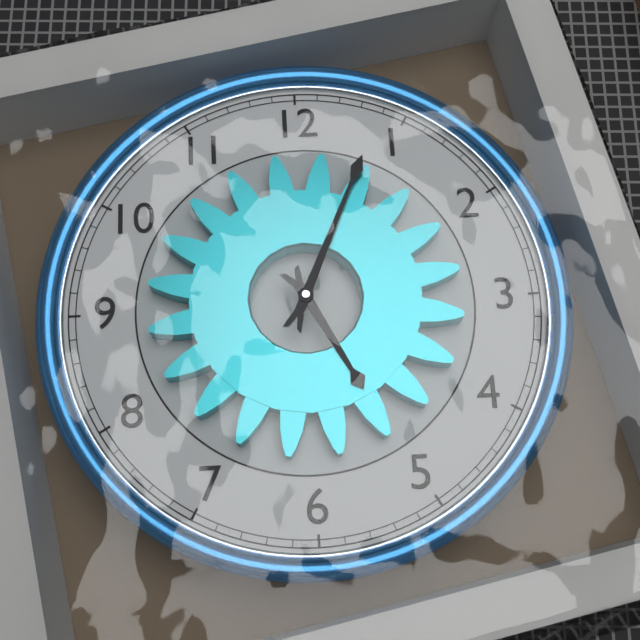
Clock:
5:04
